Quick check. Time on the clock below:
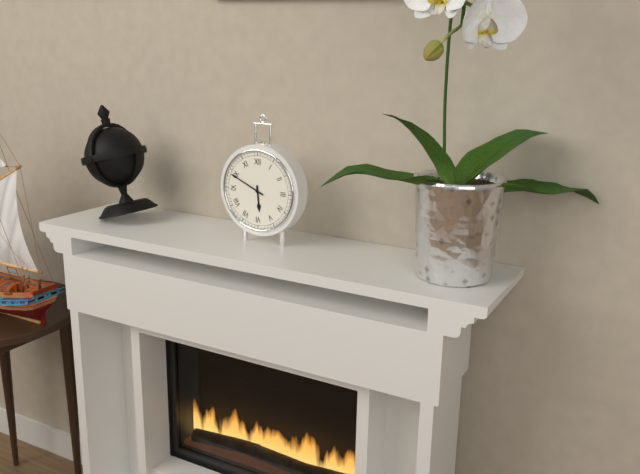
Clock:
5:49
